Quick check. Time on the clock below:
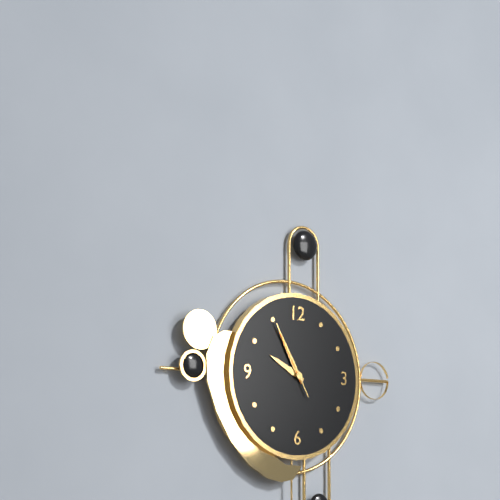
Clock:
9:55:55
